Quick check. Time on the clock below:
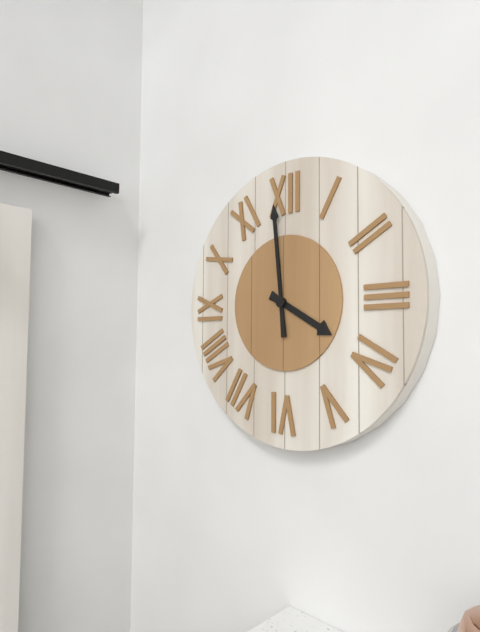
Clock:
3:59
